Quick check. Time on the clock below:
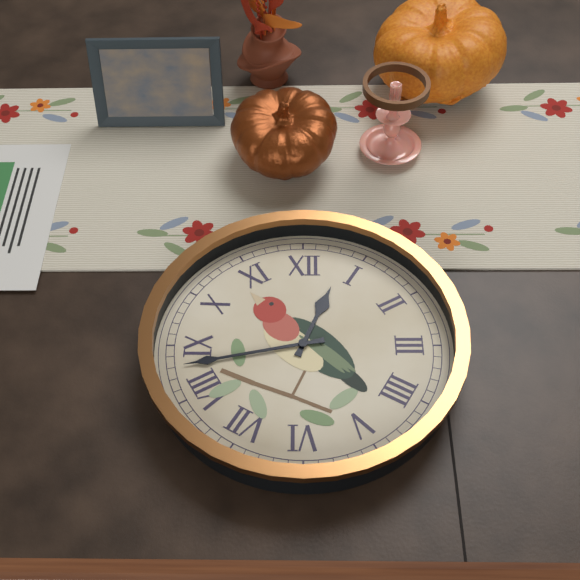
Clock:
12:43
